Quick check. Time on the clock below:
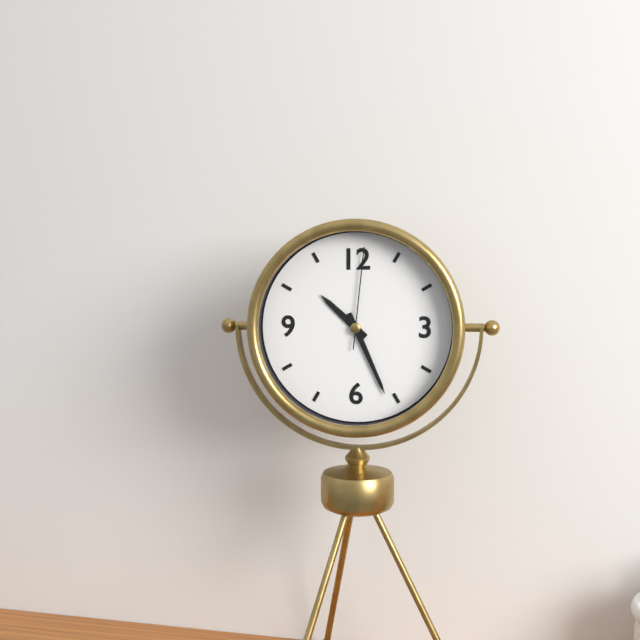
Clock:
10:26:01
